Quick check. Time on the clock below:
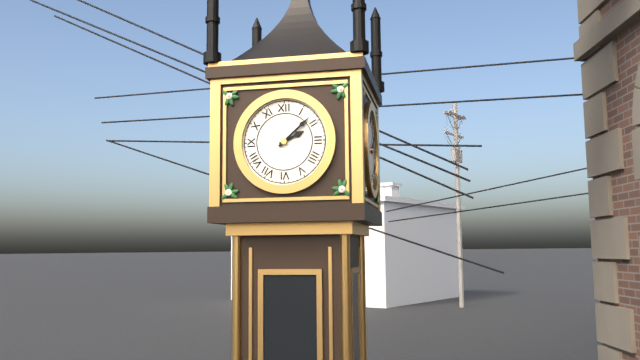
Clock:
2:08
